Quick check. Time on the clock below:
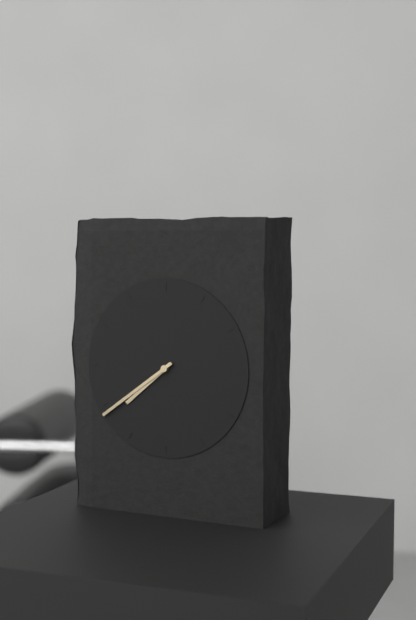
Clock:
7:39
